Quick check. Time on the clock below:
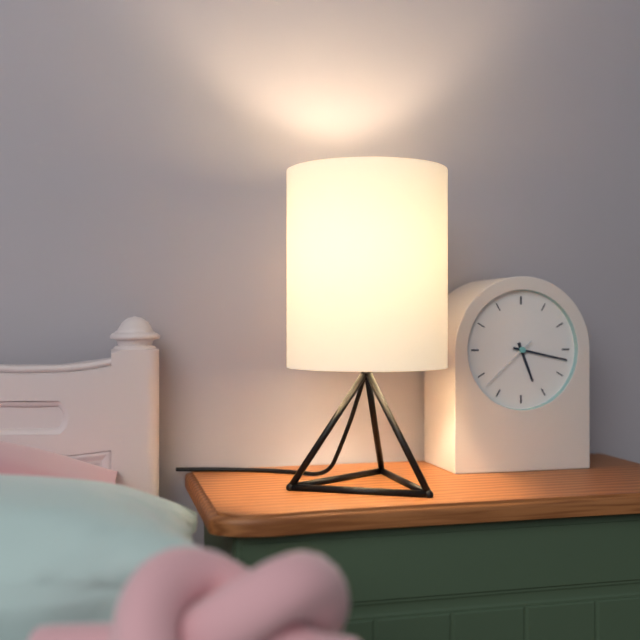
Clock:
5:17:38
